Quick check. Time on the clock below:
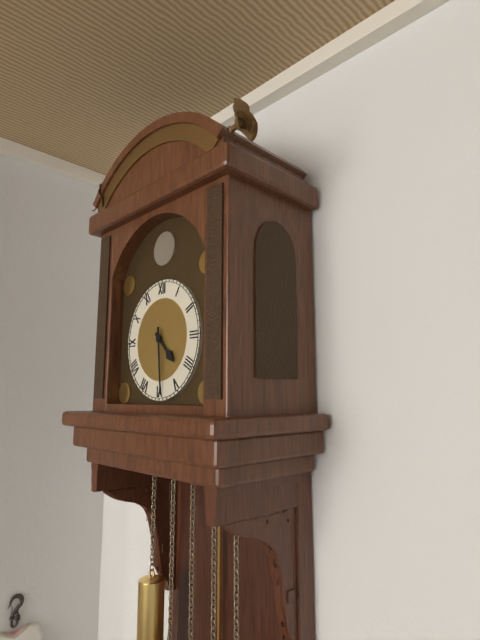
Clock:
4:29
